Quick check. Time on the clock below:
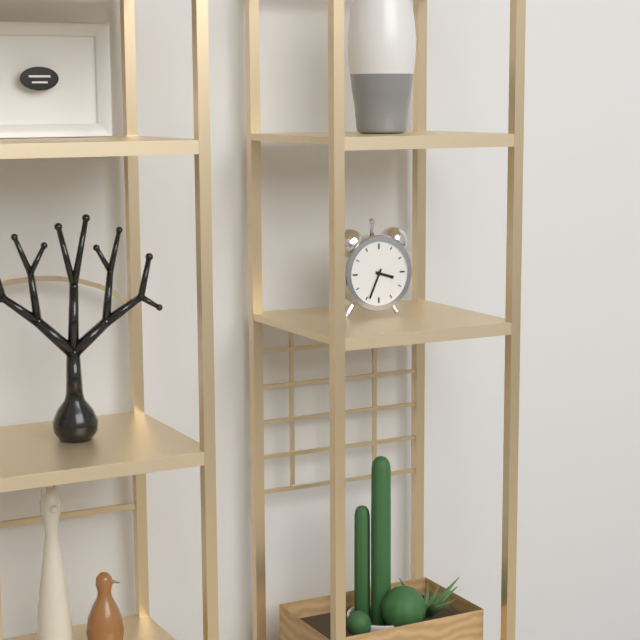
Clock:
3:34
